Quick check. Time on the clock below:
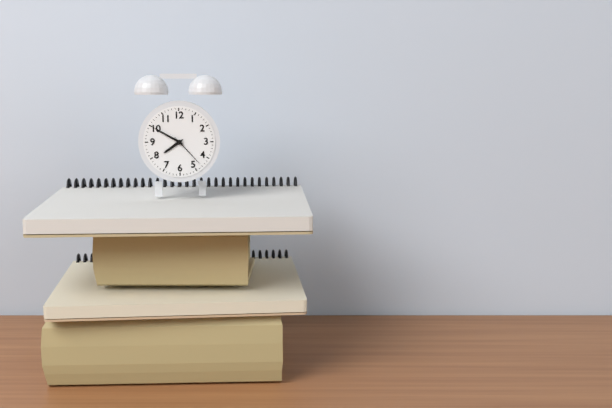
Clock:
7:50
